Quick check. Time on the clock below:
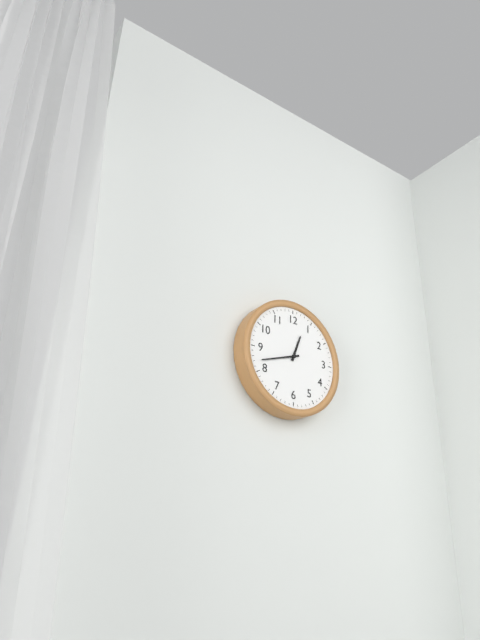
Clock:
12:42
